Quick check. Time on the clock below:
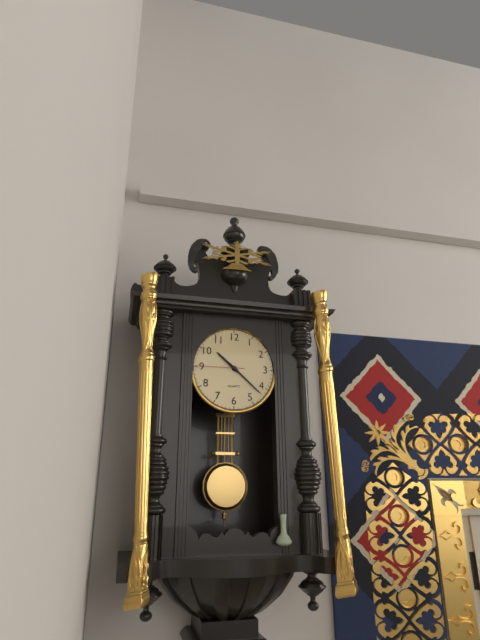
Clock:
10:22
